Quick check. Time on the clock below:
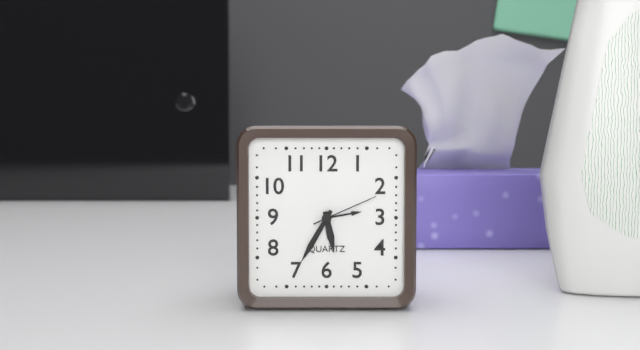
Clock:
5:35:11
